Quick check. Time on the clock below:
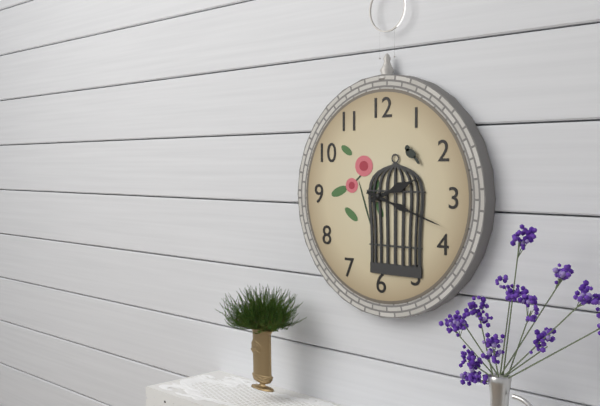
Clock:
2:18
